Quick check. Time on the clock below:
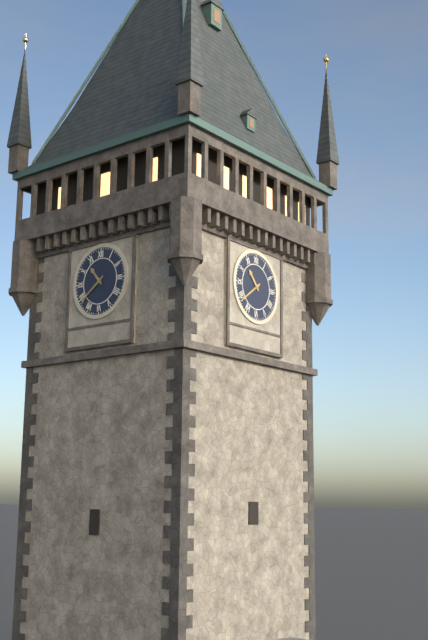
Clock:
10:39
